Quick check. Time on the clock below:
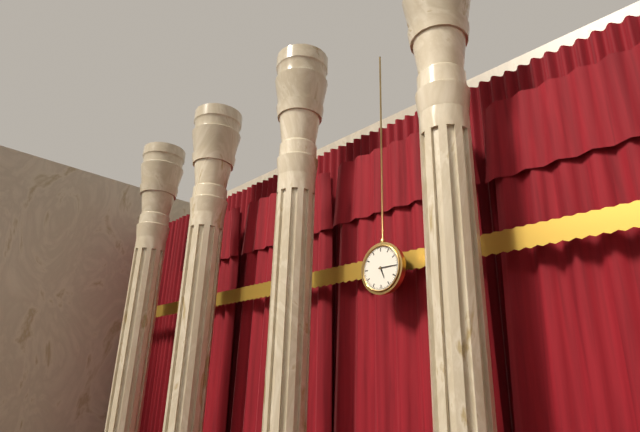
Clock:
5:15
